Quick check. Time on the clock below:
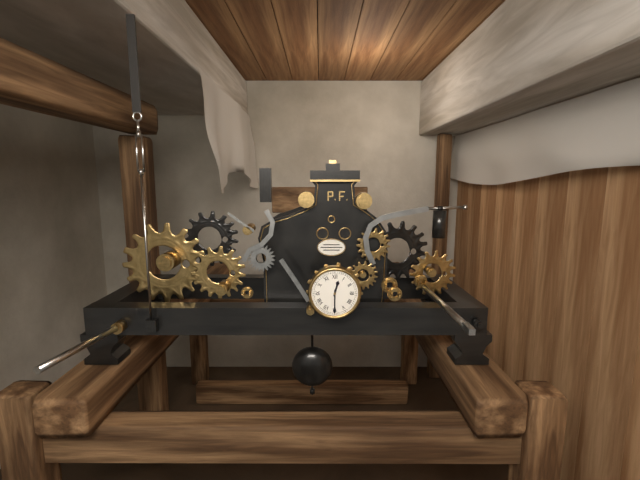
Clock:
12:30
